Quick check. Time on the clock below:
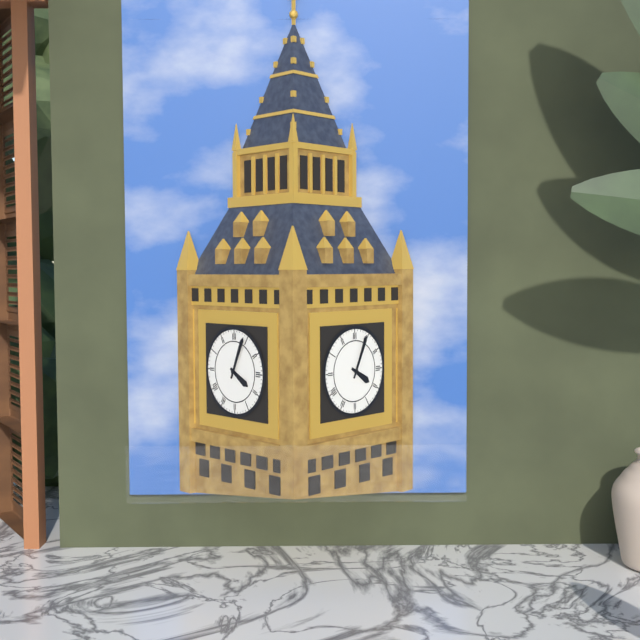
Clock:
4:04
